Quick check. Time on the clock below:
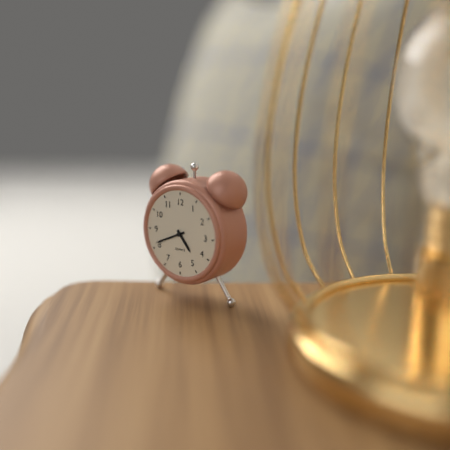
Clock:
4:41
